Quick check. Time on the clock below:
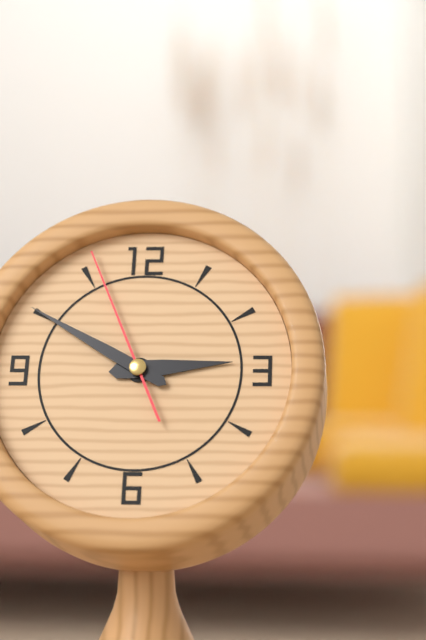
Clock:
2:50:56
